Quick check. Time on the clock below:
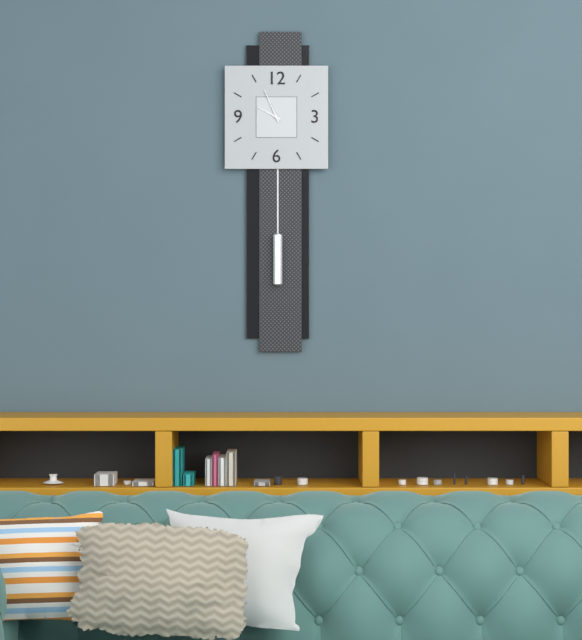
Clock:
9:56
